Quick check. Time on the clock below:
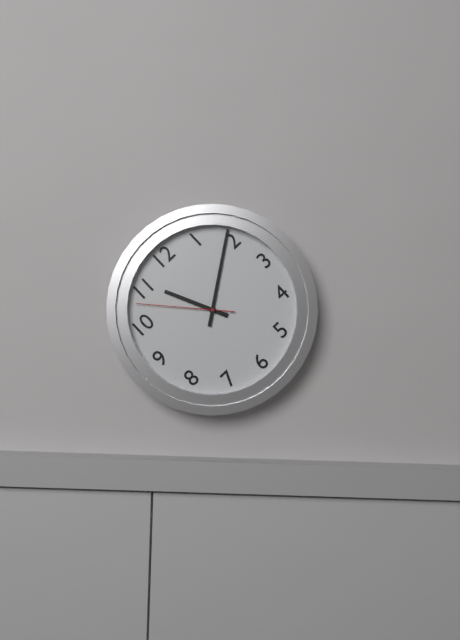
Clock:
11:09:53
